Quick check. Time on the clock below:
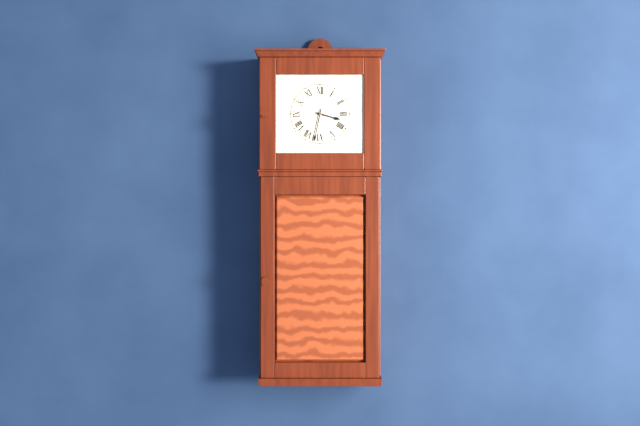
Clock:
3:32
